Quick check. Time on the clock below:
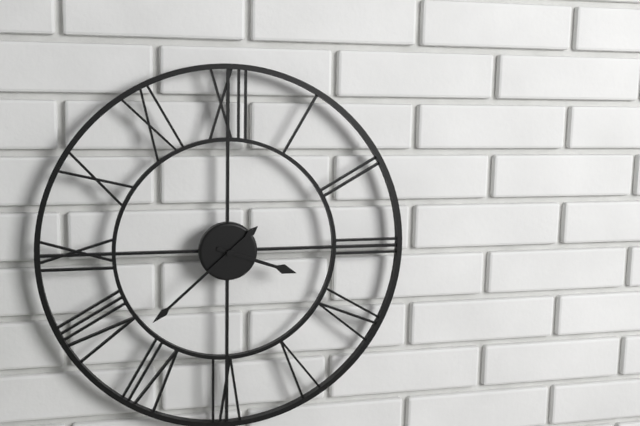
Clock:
3:38
